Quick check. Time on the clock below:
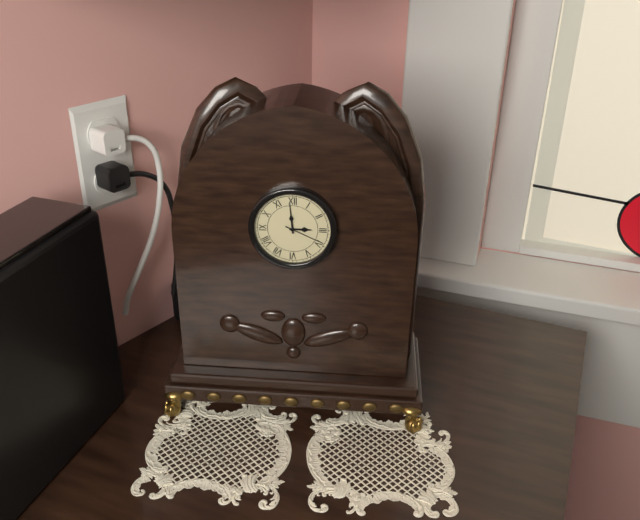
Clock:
2:59
